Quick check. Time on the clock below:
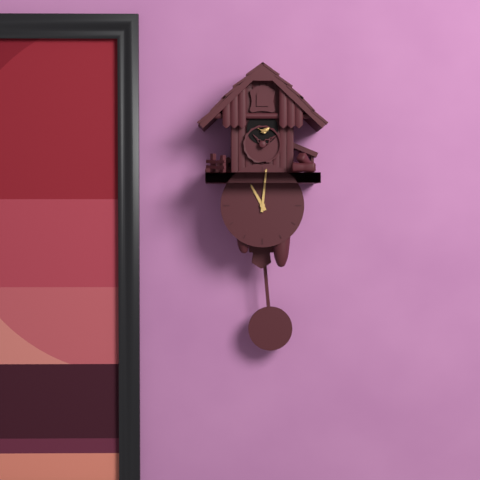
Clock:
11:01
